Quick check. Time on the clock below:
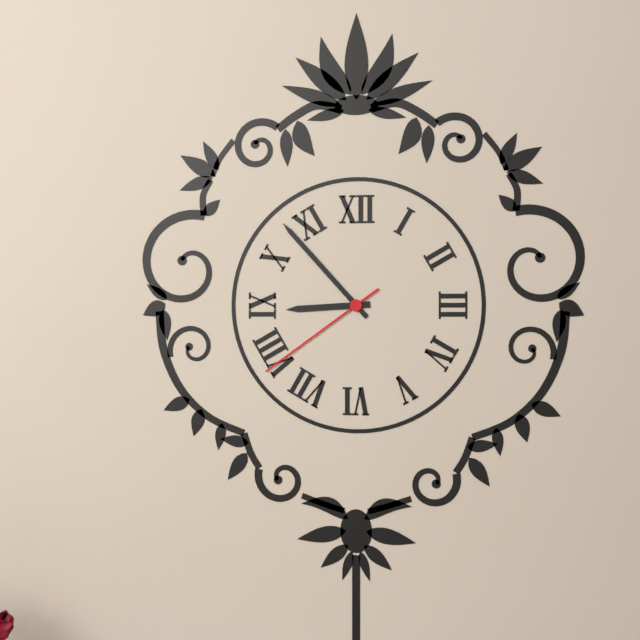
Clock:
8:53:39
